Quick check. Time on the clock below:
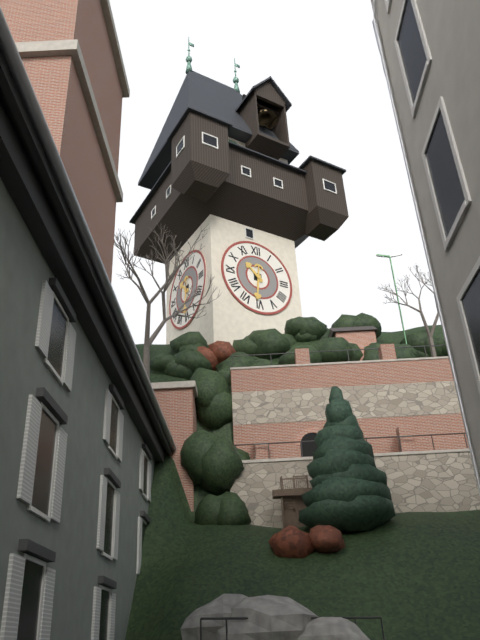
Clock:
10:31
